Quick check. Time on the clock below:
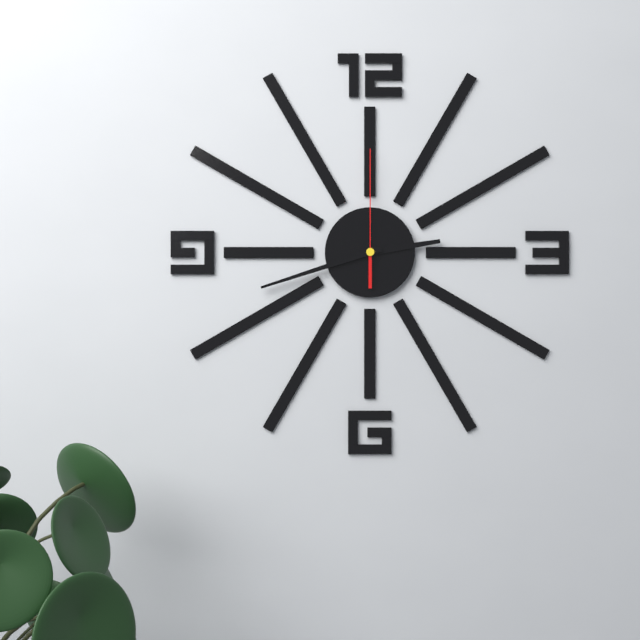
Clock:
2:42:00
